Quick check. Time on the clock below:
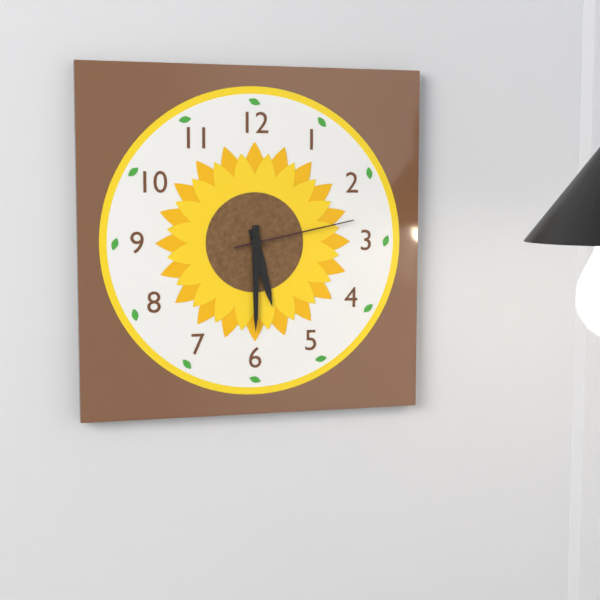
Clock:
5:30:13
